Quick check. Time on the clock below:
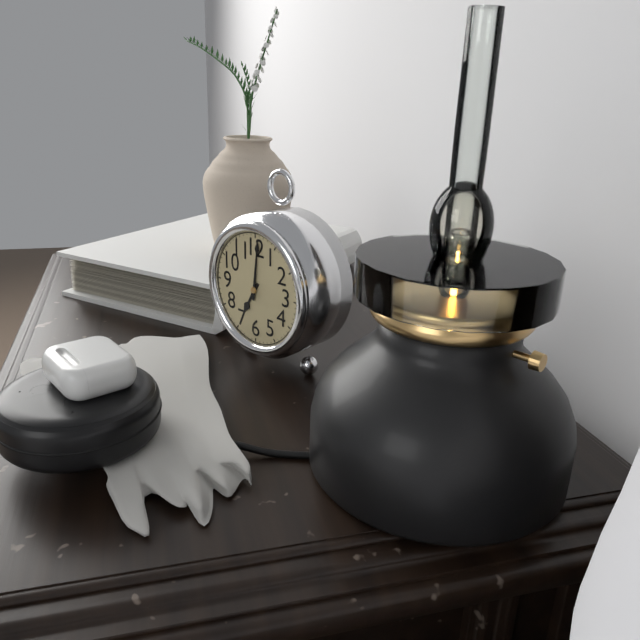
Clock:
7:01
